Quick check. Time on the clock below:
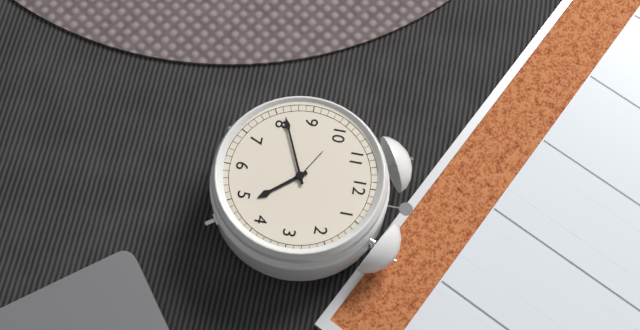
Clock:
4:41
